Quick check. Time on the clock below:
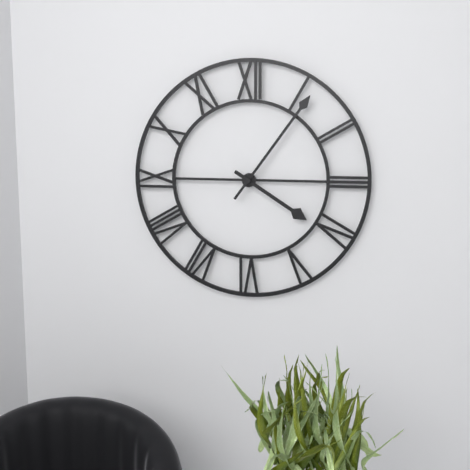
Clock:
4:06
